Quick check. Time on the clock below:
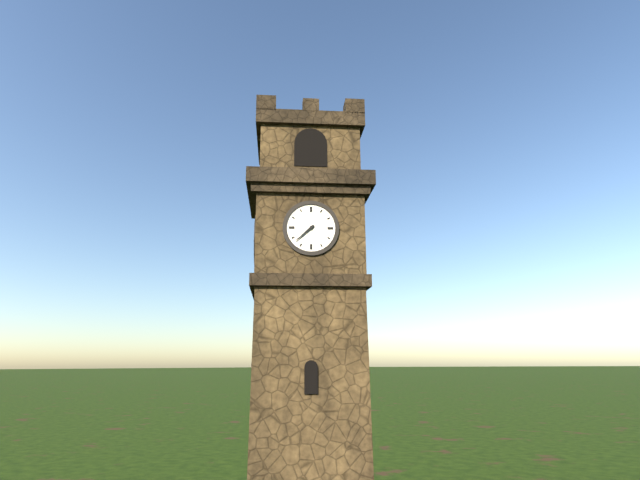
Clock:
7:38
